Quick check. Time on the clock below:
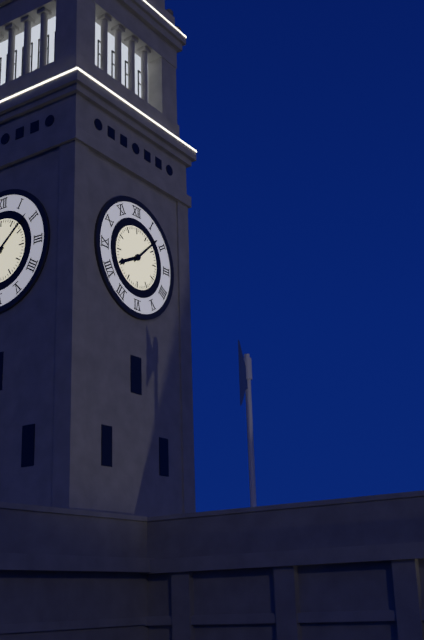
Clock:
8:08
